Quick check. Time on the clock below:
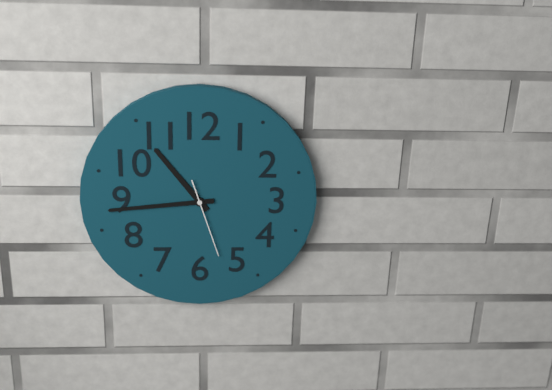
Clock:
10:44:27
